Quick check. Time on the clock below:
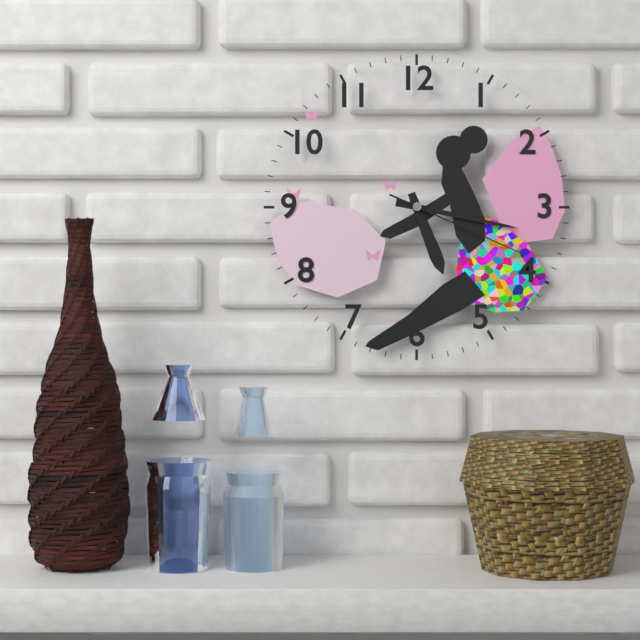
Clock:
5:17:19
